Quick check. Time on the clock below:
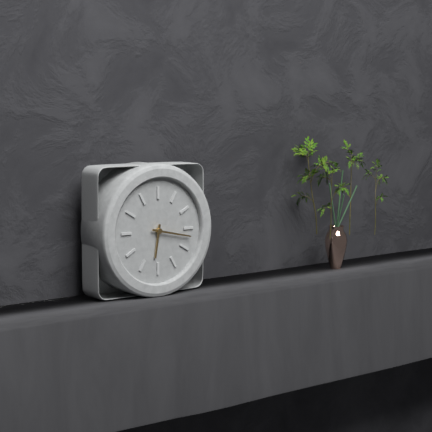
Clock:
6:17
